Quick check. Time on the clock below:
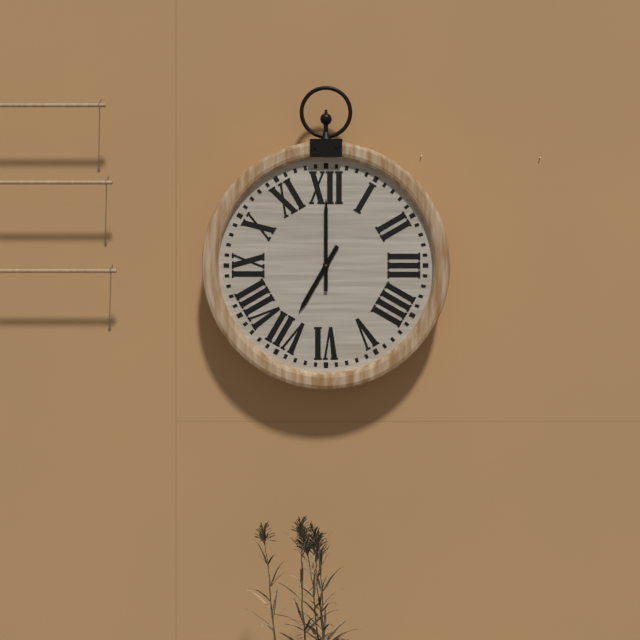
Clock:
7:00
